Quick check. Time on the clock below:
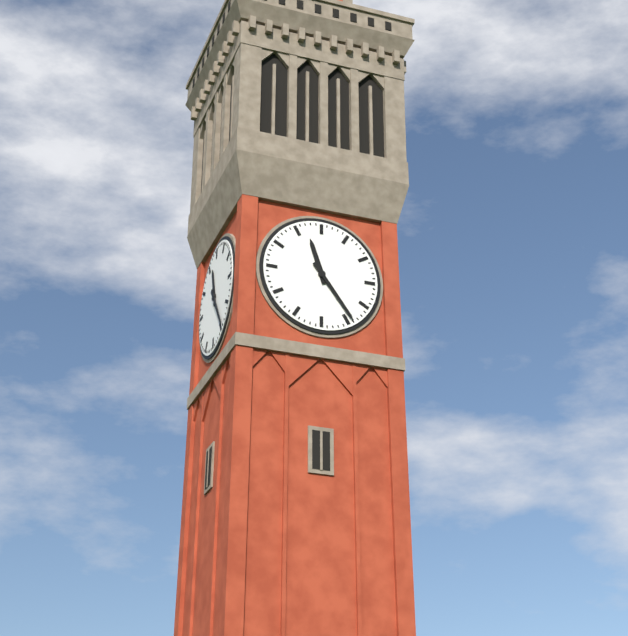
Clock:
11:24
